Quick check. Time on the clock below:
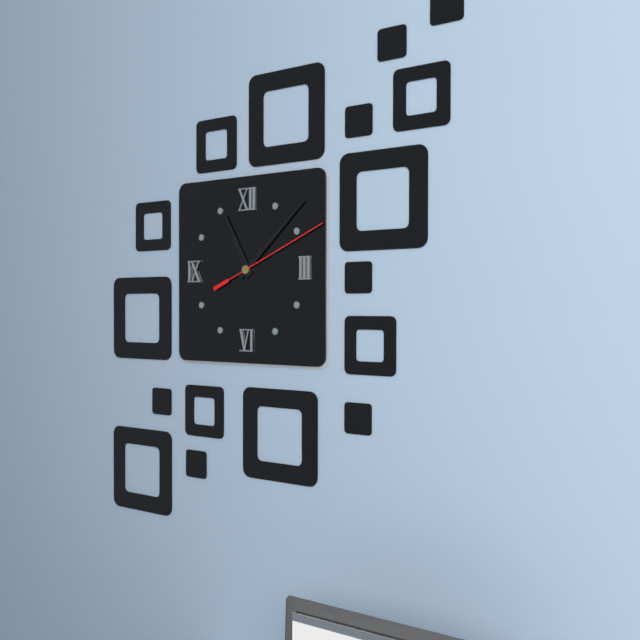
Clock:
11:08:11
